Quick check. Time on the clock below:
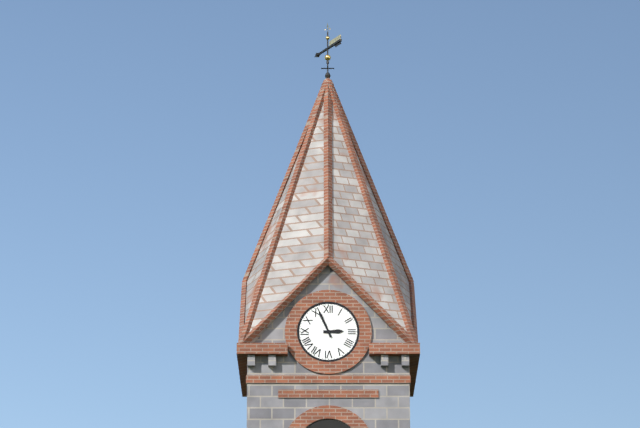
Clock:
2:56
